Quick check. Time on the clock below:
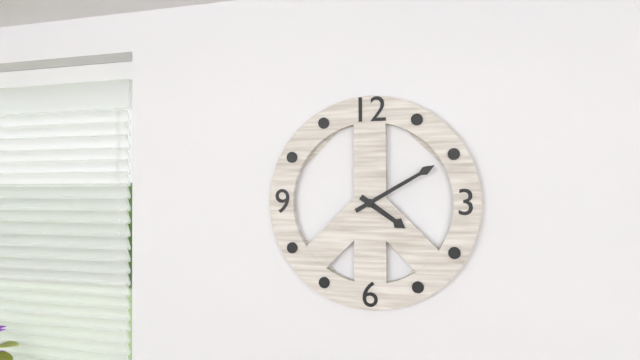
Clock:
4:10
